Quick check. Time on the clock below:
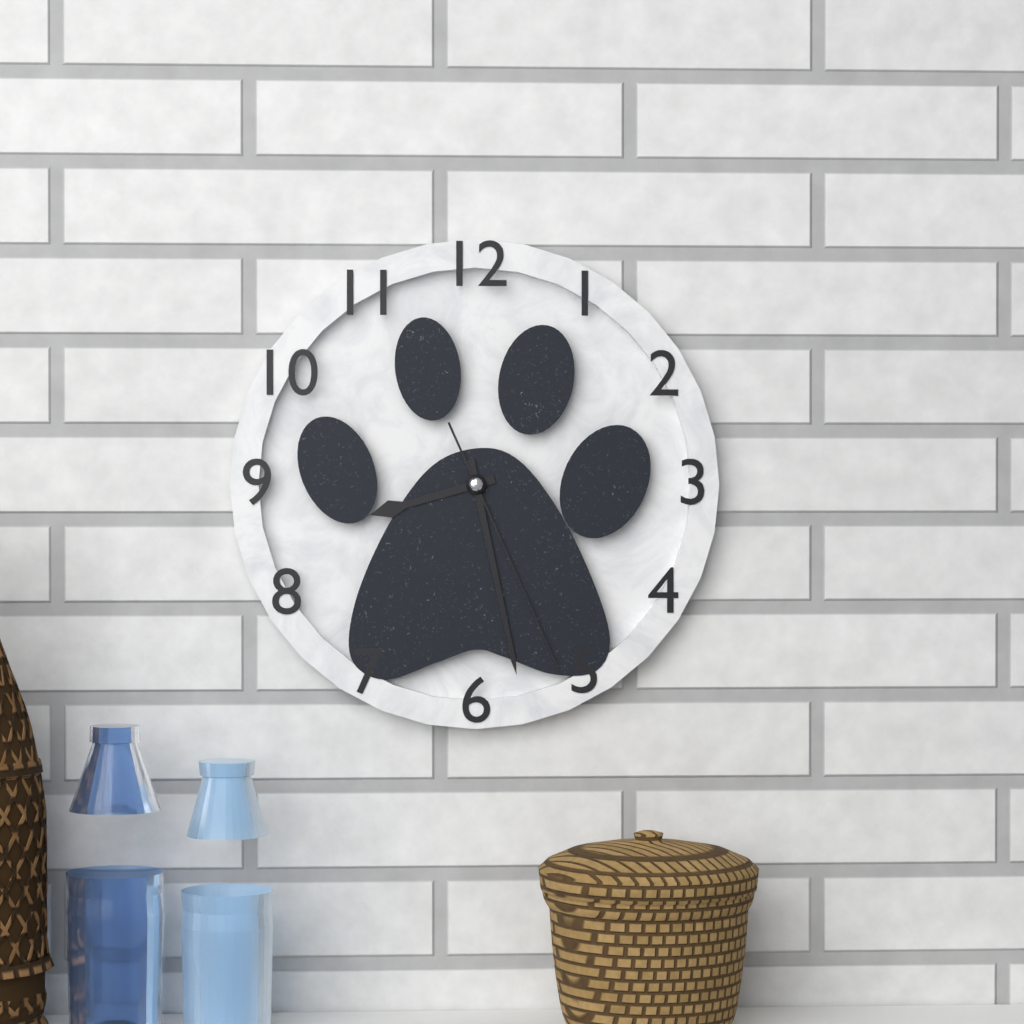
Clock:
8:28:26
